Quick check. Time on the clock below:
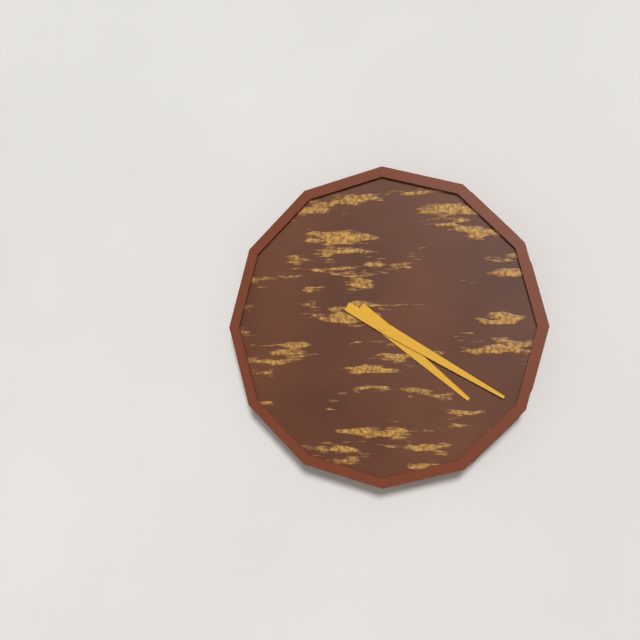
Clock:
4:20
